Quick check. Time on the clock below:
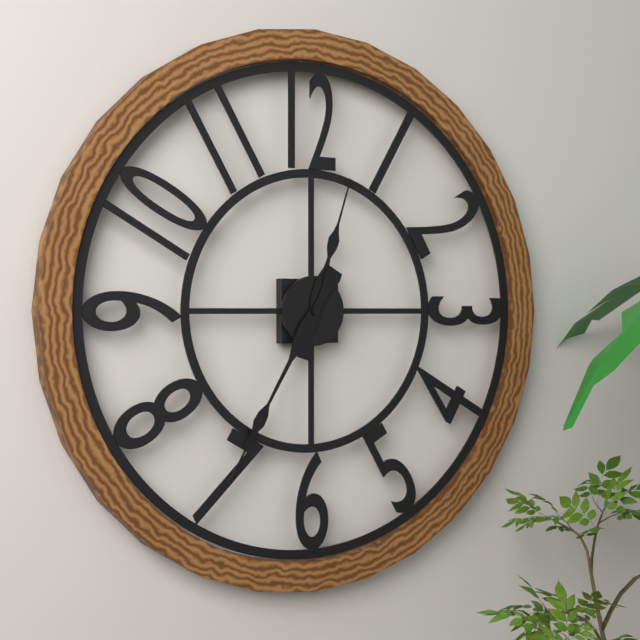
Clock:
12:35
